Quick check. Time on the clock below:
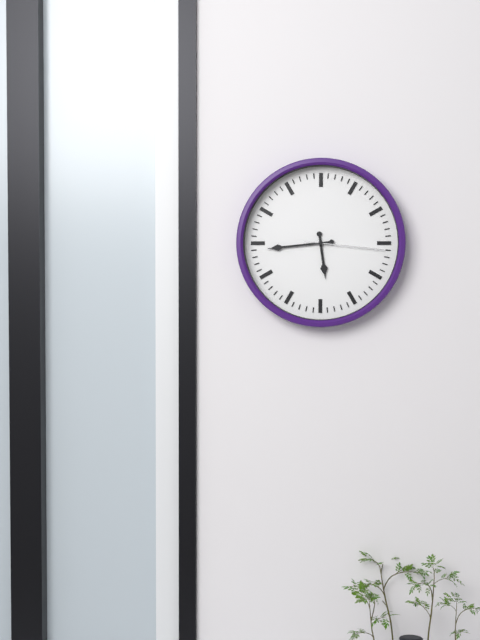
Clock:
5:44:16
